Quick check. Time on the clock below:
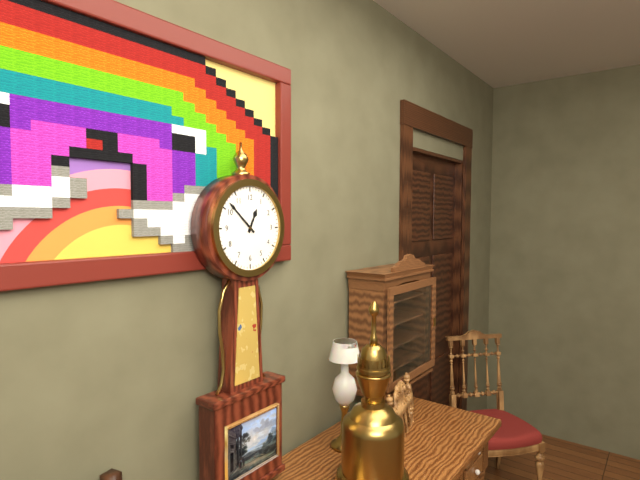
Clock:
12:52
